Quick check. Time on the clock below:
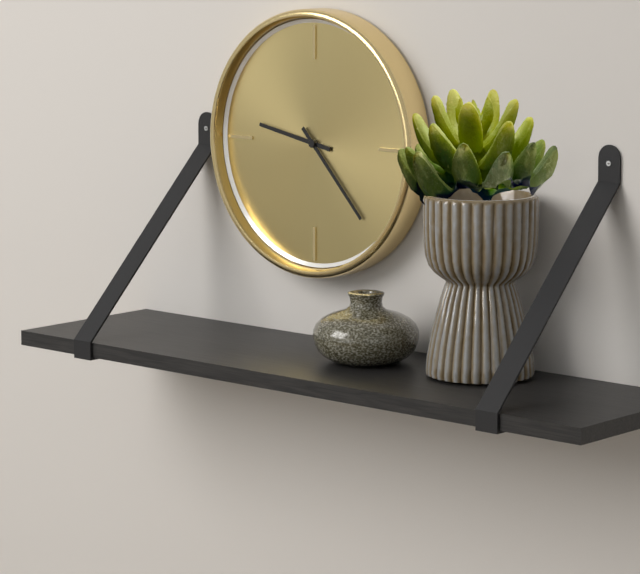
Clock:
9:23
